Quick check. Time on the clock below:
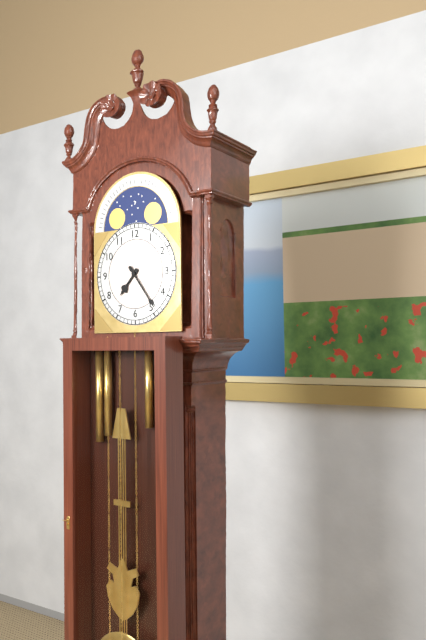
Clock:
7:24
